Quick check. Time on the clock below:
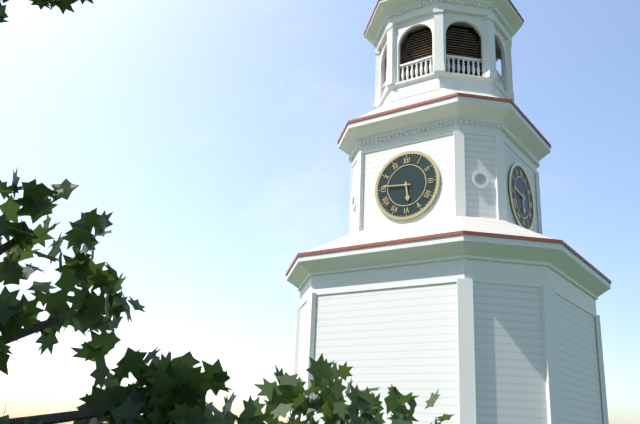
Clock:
5:46
